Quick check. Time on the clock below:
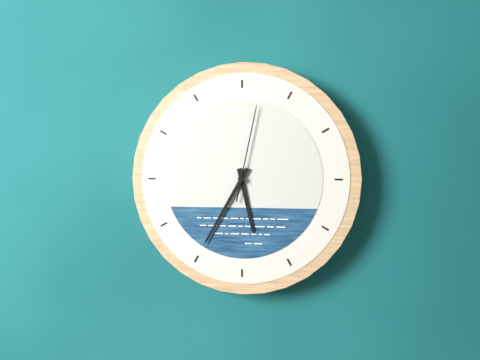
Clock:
5:35:02
